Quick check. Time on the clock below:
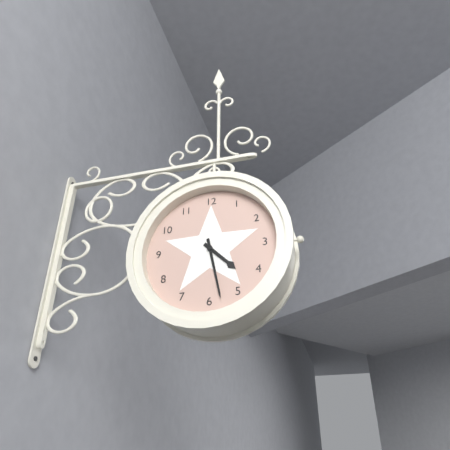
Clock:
4:28
